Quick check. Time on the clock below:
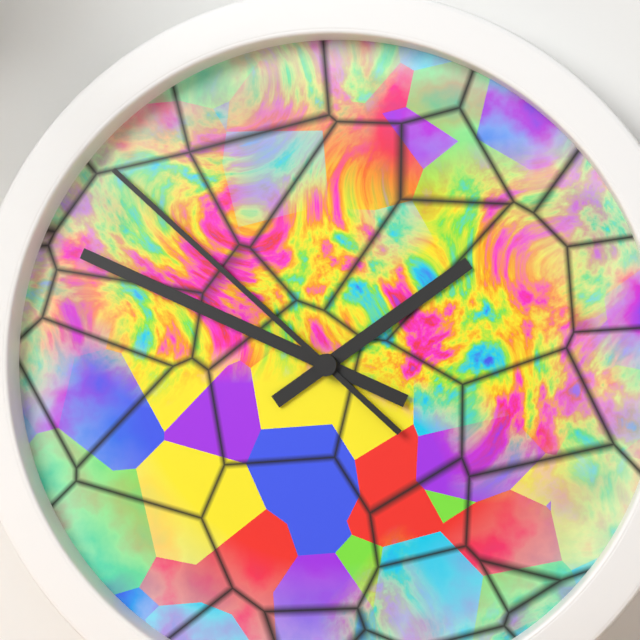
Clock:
1:49:52
